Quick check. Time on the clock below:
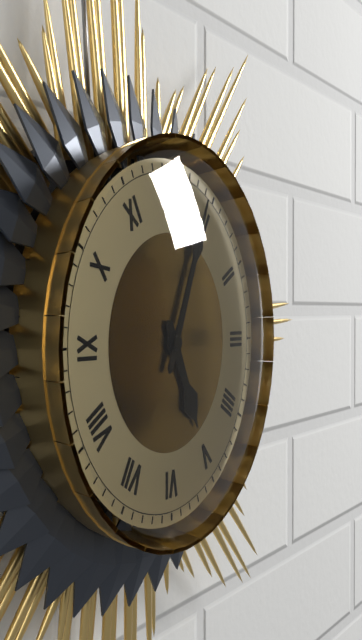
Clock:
5:04
